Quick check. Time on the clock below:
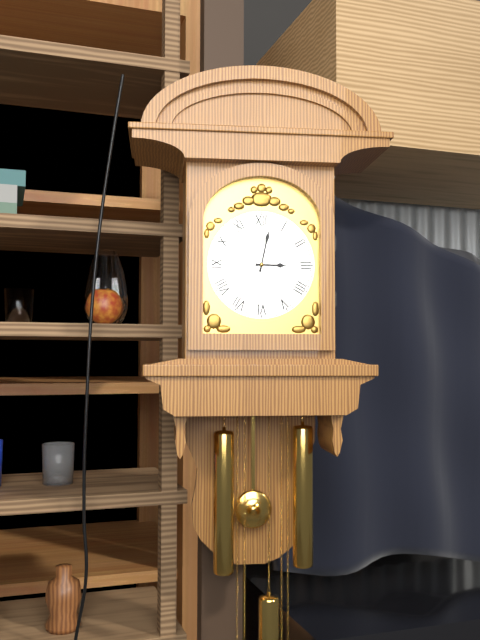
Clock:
3:02
